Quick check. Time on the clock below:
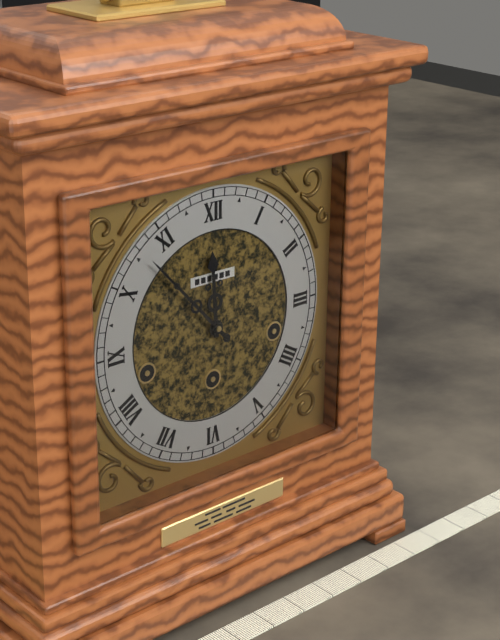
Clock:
11:53
